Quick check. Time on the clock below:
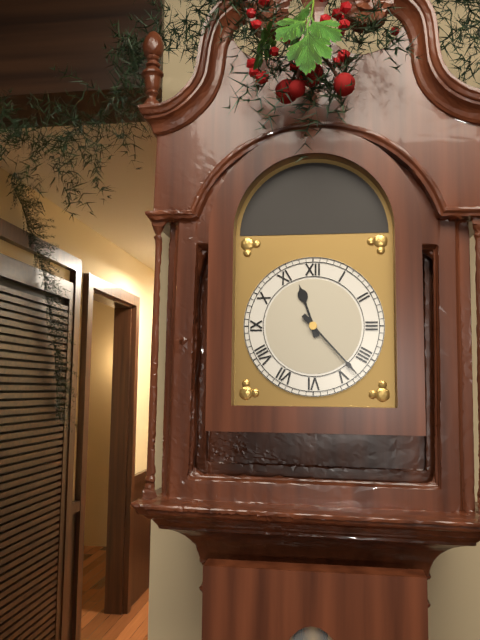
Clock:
11:23
